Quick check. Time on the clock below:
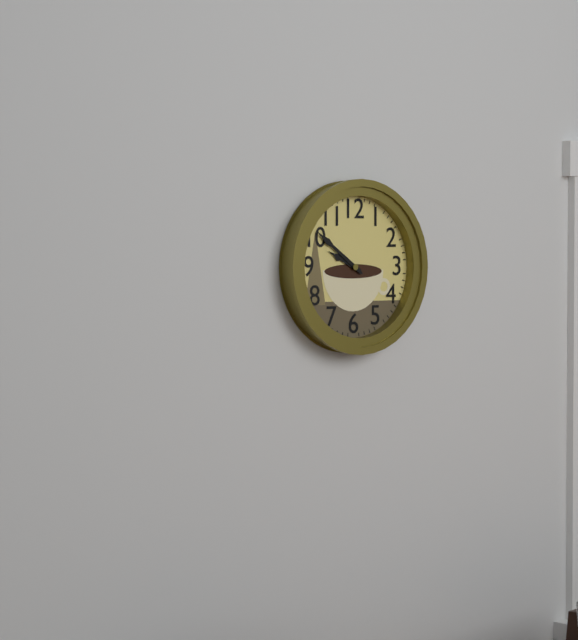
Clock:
9:51
